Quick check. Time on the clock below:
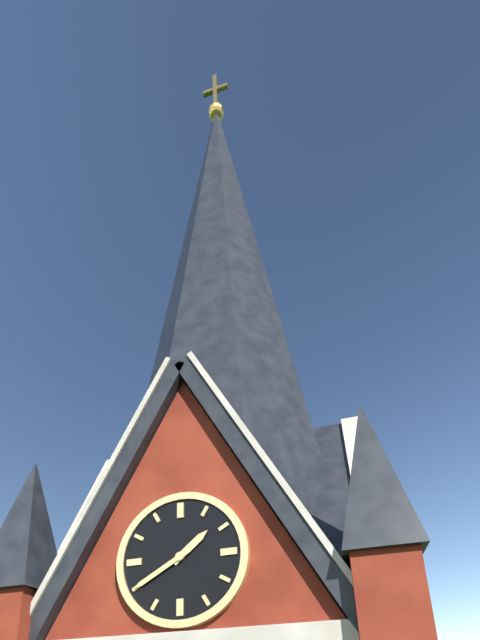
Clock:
1:40
